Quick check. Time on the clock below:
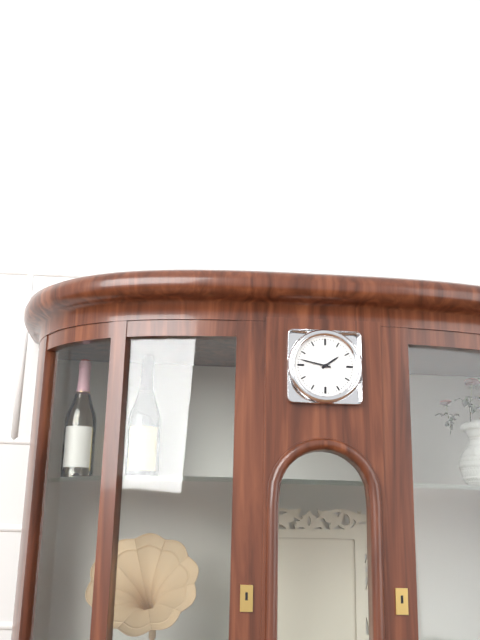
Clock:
1:47
